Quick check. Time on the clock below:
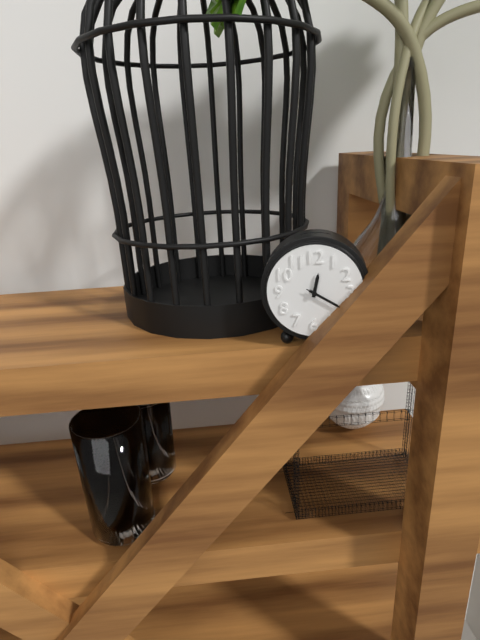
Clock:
12:20
